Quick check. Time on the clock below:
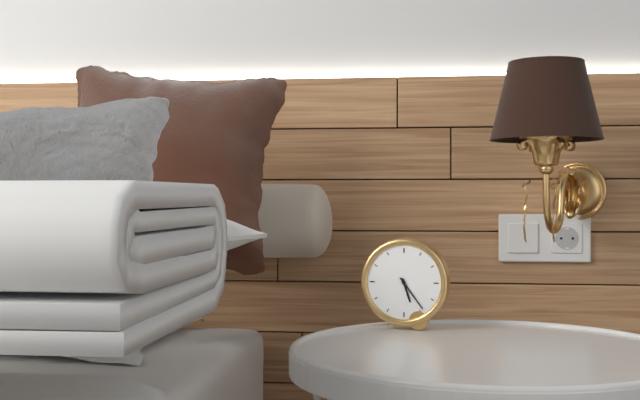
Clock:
5:24
